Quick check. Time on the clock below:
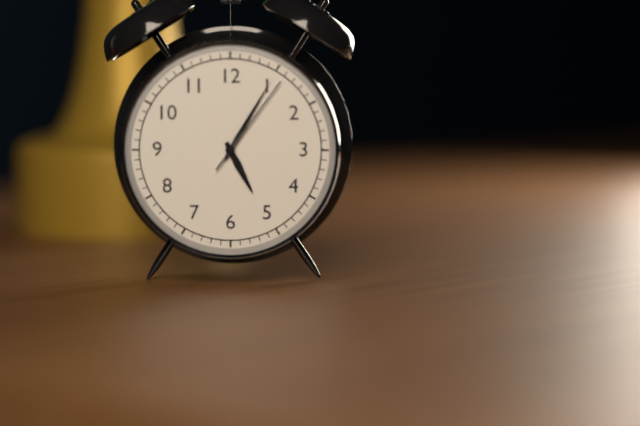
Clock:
5:05:06
